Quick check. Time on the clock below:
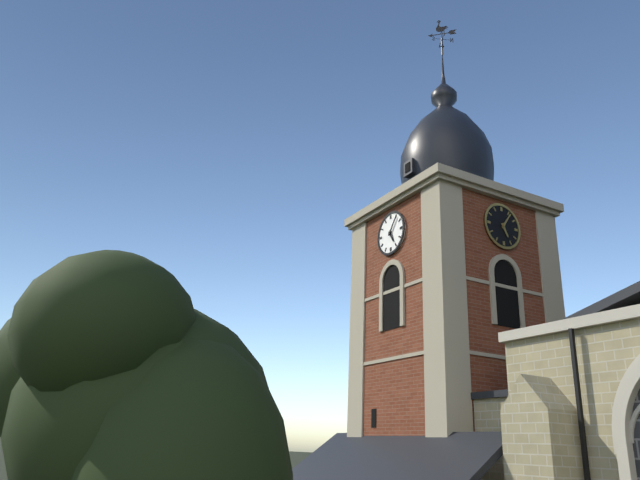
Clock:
5:06
